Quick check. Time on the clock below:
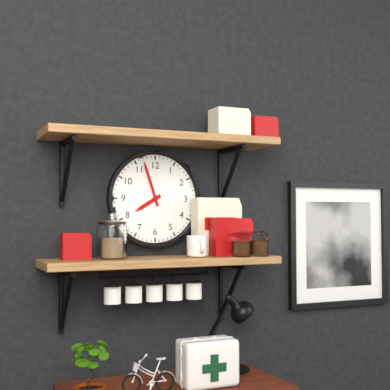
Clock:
7:57
